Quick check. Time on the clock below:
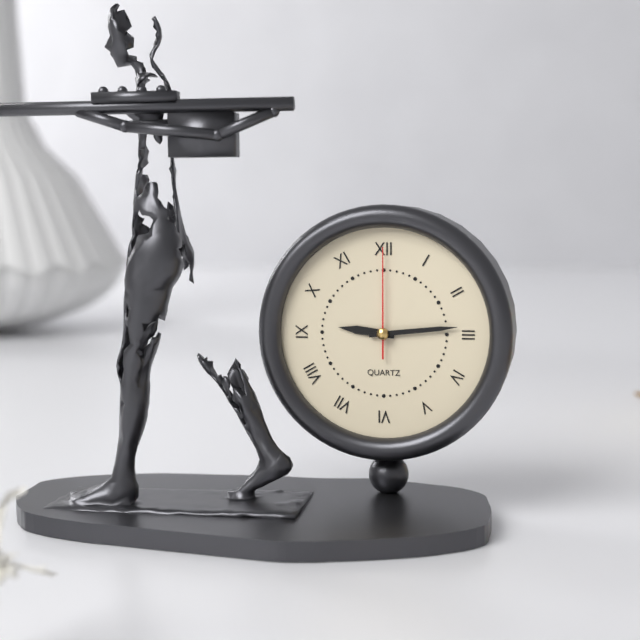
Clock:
9:14:00
